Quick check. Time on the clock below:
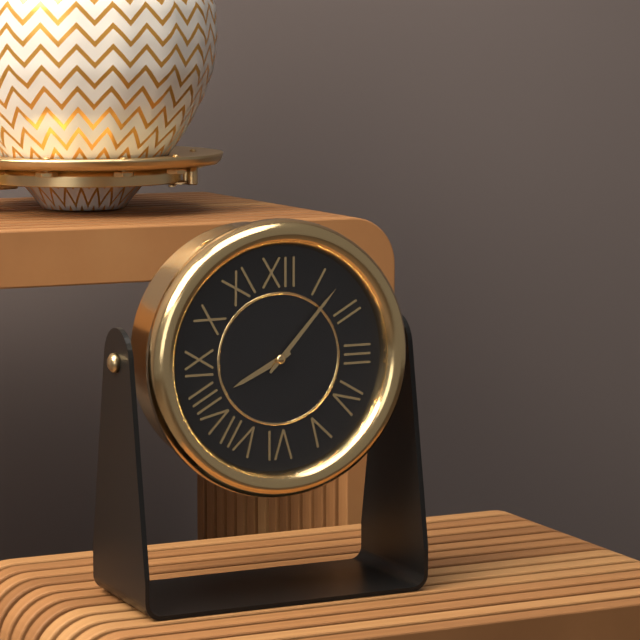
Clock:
8:07
